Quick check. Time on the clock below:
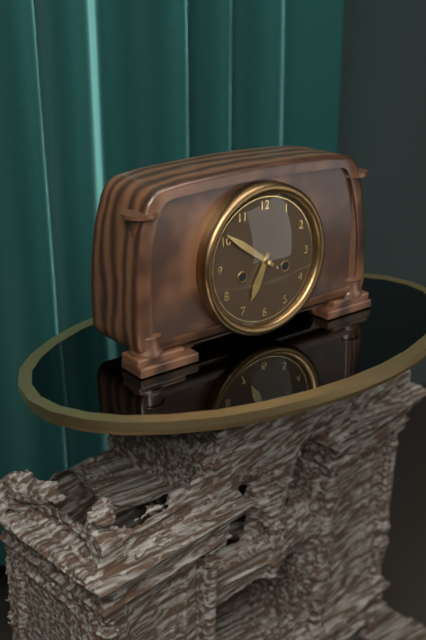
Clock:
6:51
